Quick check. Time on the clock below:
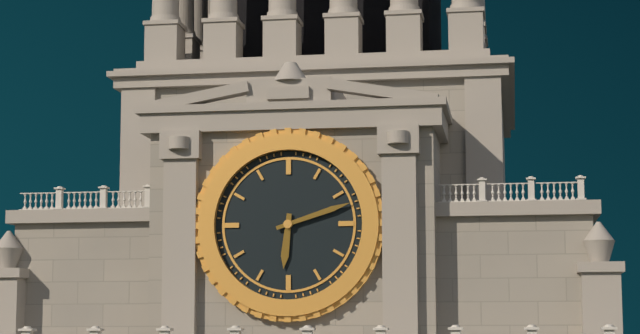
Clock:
6:12
